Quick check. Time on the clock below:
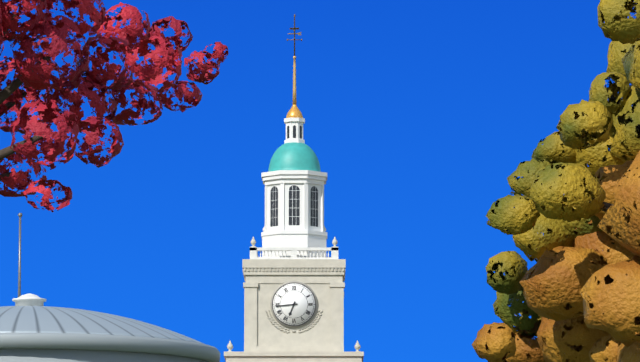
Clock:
6:44
